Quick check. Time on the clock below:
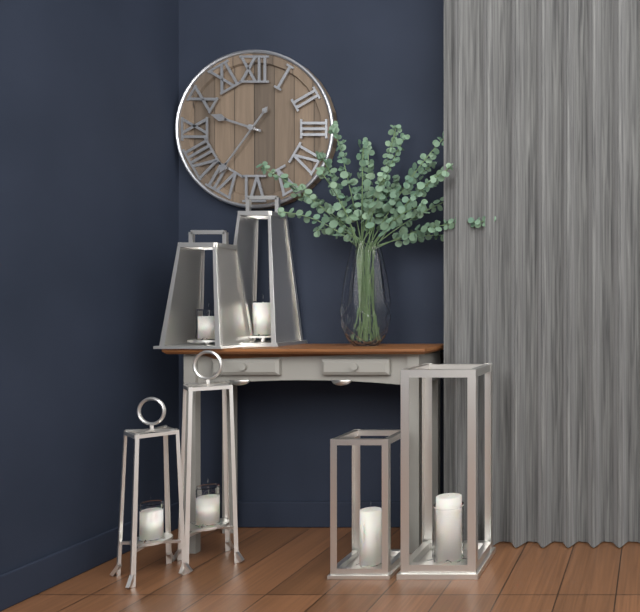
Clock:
9:36
